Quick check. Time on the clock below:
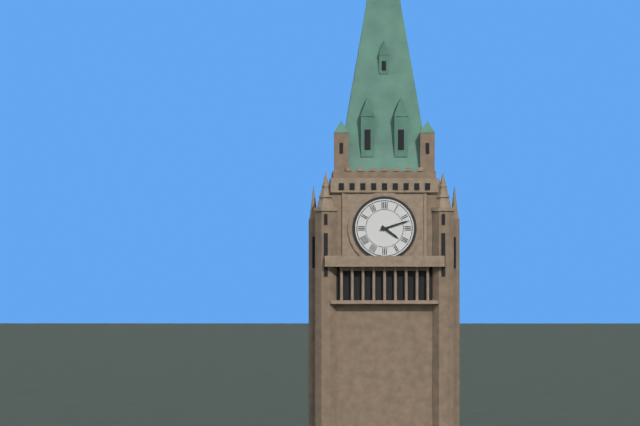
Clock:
4:12
